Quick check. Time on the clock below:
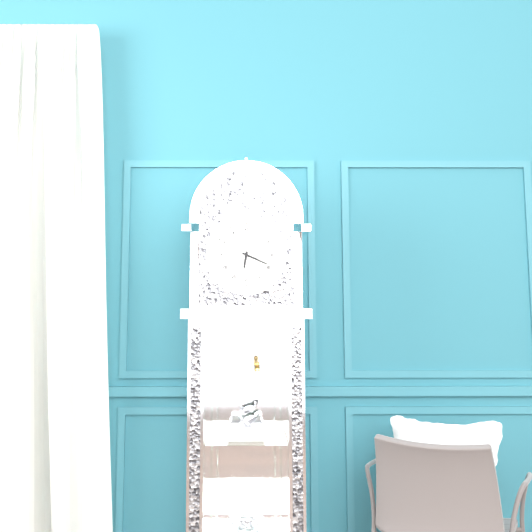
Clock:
6:19
